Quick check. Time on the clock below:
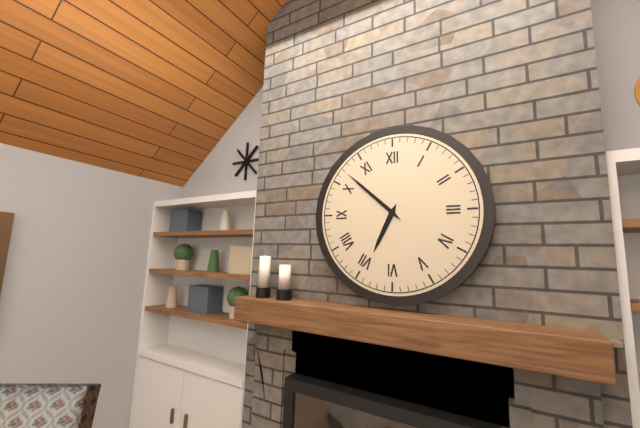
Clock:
6:52
